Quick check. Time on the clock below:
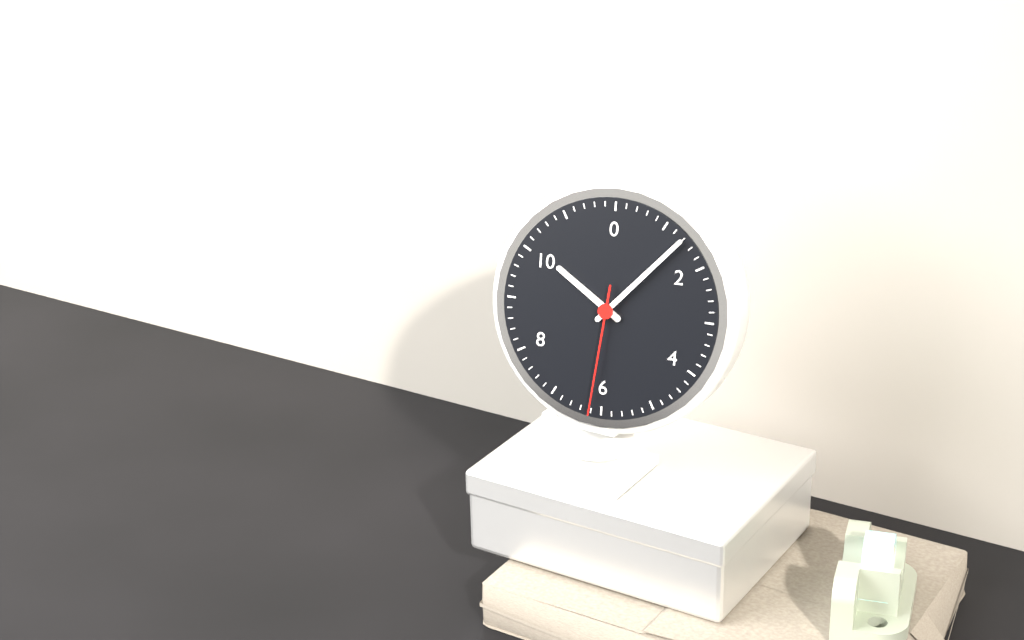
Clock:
10:07:31
